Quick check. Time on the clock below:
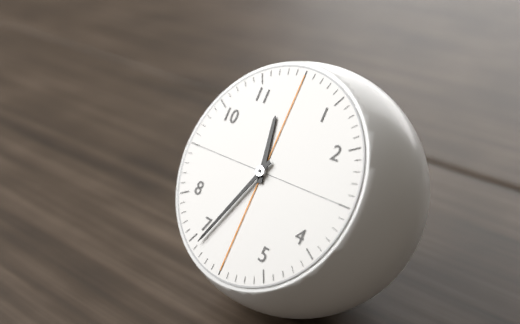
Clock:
11:34
